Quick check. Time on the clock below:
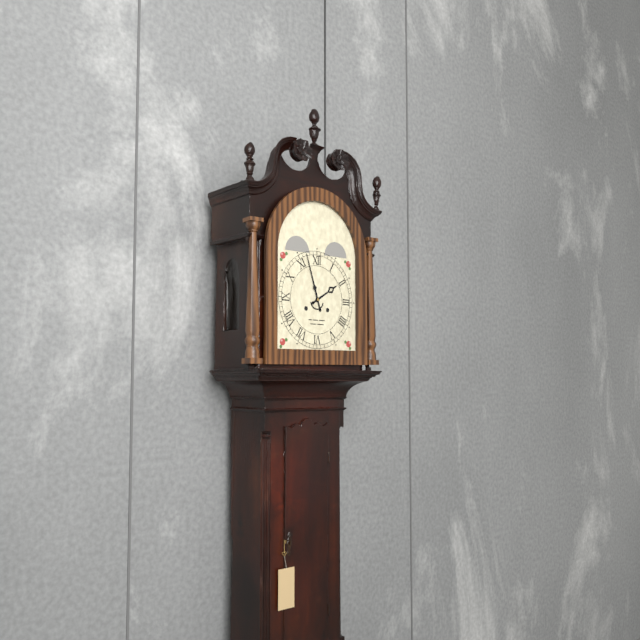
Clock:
1:57
